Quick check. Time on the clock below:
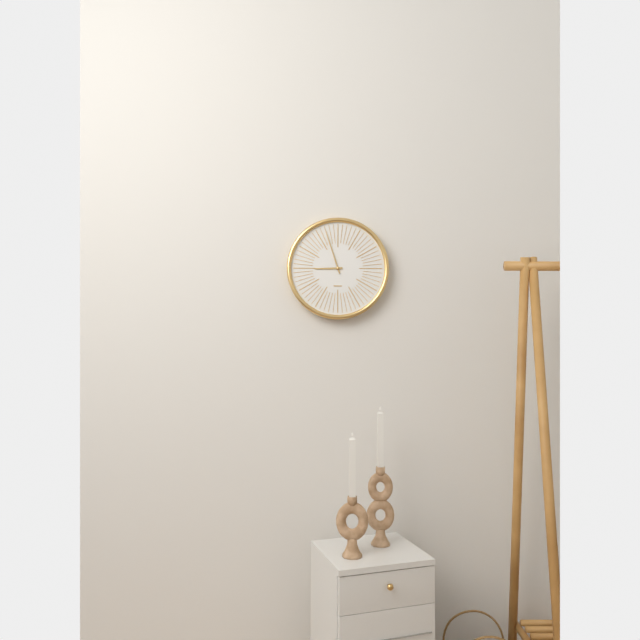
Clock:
8:57
